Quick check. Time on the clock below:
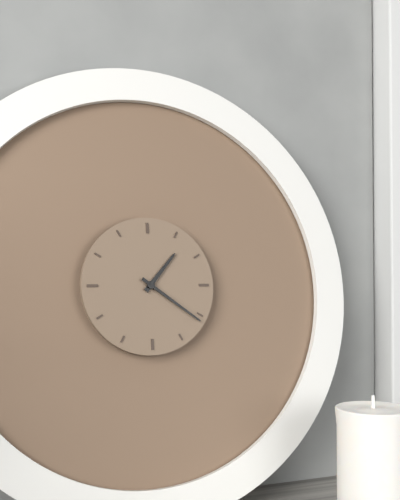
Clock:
1:21
